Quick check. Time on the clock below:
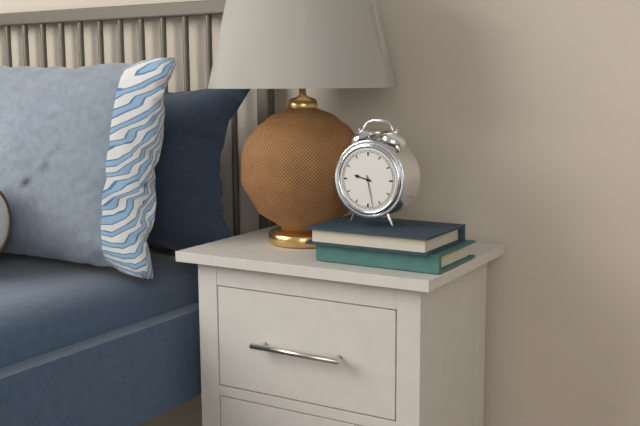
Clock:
9:28
